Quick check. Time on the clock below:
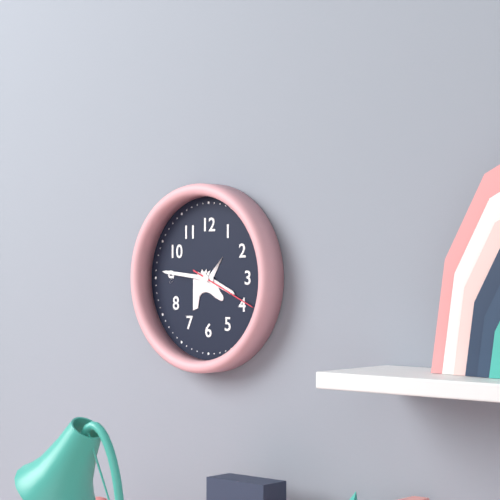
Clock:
3:46:19
